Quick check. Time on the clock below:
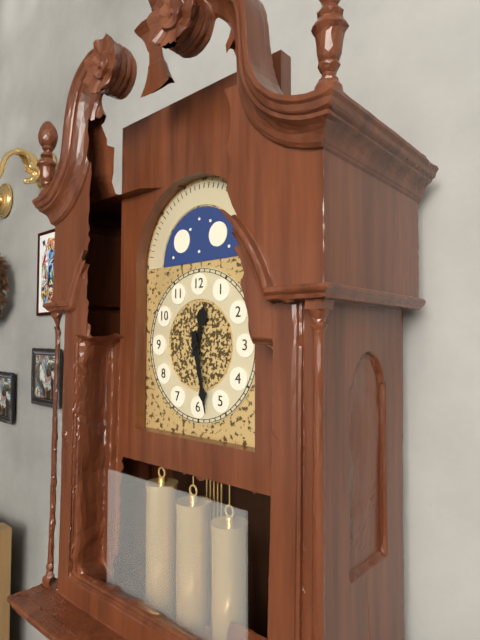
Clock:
12:28
